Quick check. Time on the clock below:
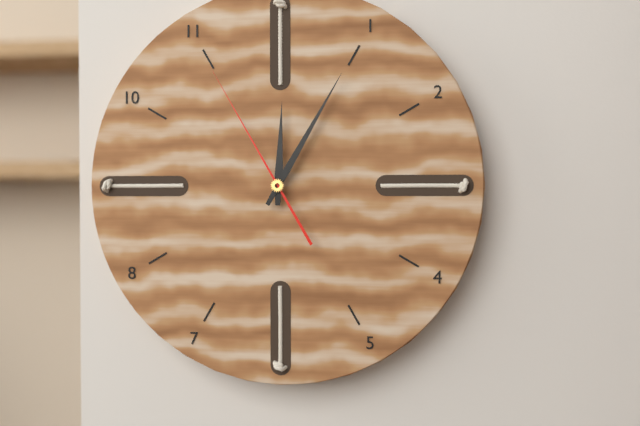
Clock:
12:05:55
